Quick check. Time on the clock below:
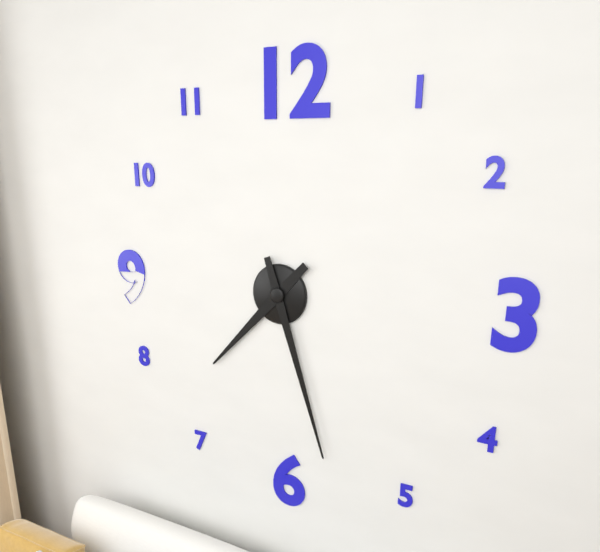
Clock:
7:27
